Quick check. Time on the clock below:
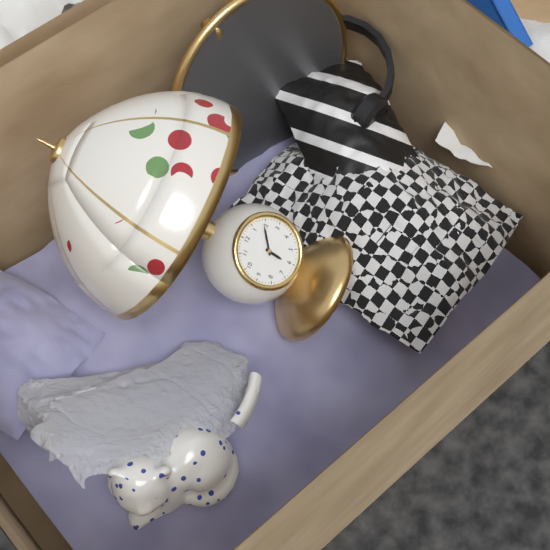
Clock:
6:09
